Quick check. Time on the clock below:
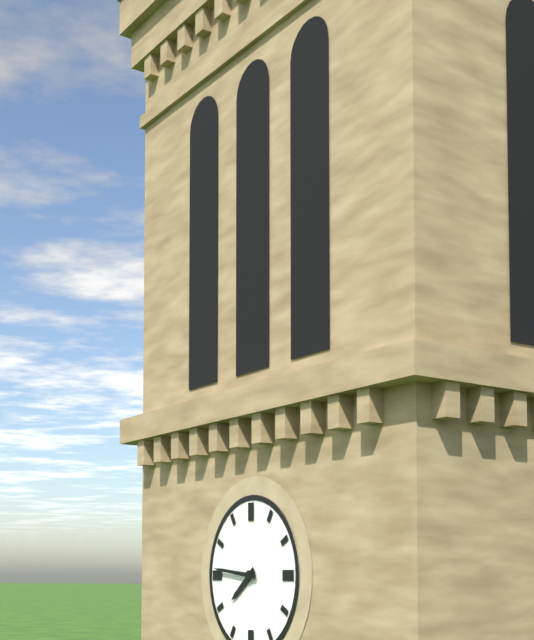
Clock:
7:46
